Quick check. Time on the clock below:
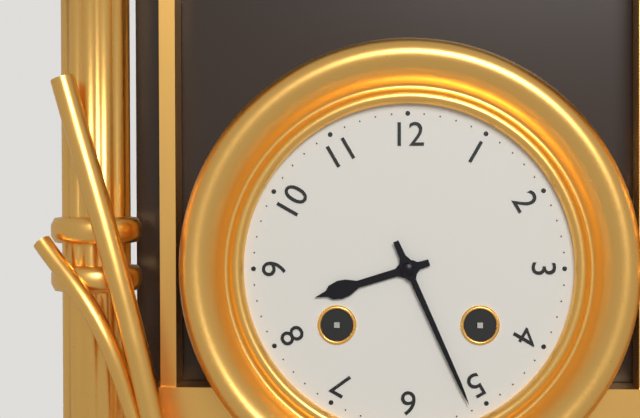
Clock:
8:26
